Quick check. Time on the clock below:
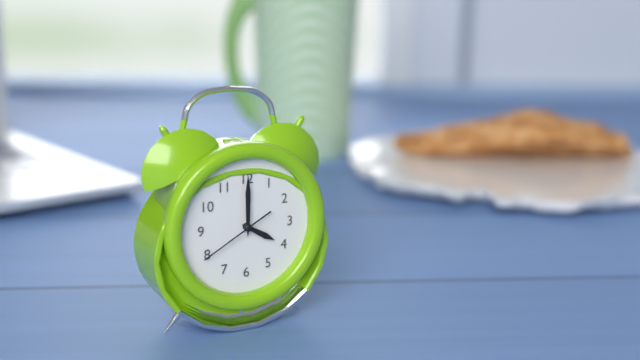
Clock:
4:00:40
